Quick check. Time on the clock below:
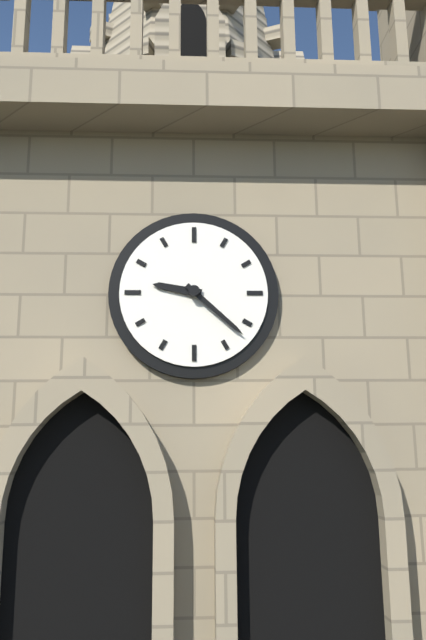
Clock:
9:22
